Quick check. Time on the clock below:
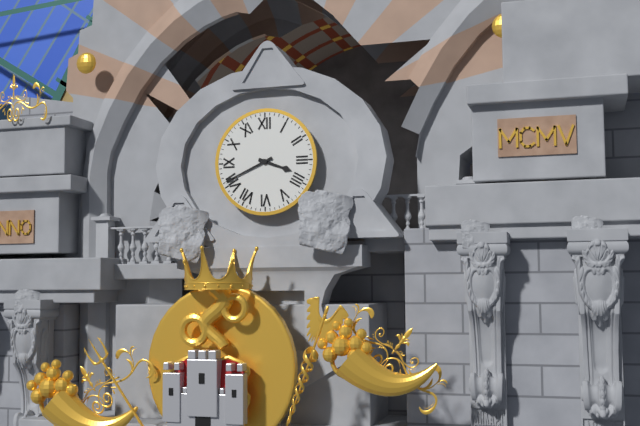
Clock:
3:41
